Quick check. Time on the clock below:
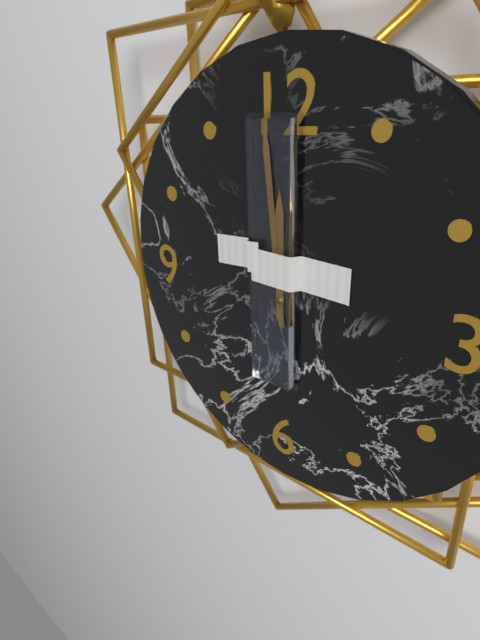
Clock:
11:59
